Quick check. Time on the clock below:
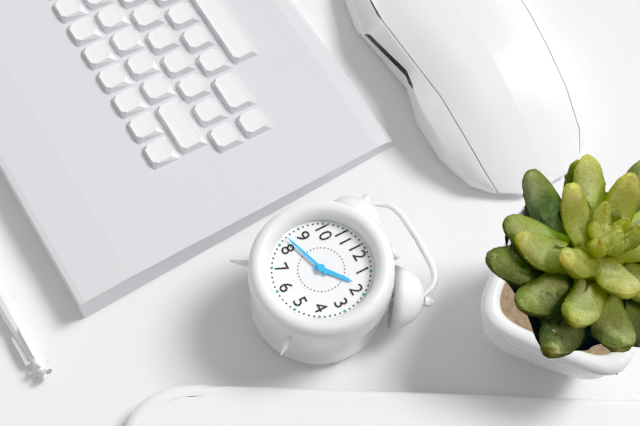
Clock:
1:42
